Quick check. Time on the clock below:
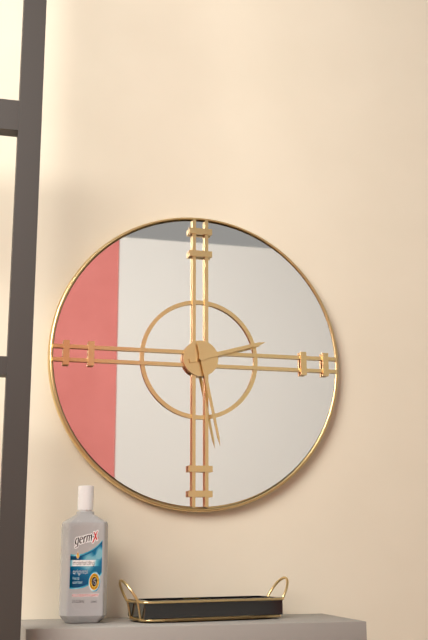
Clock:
2:28
